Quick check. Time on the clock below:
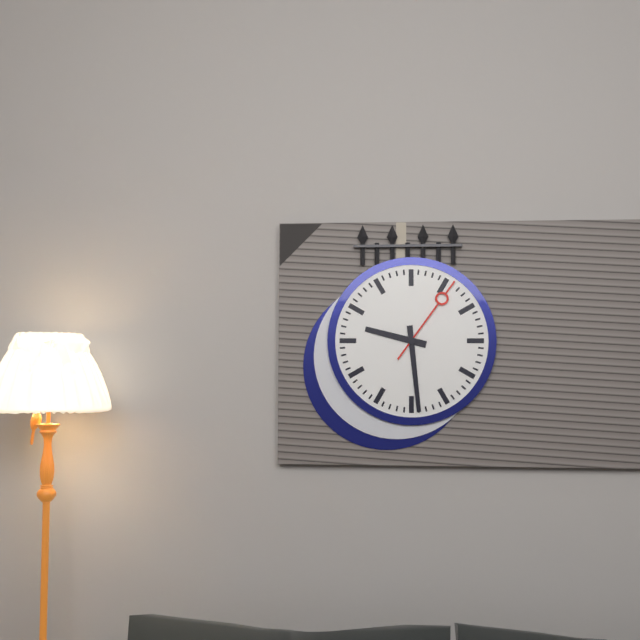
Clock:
9:29:06
